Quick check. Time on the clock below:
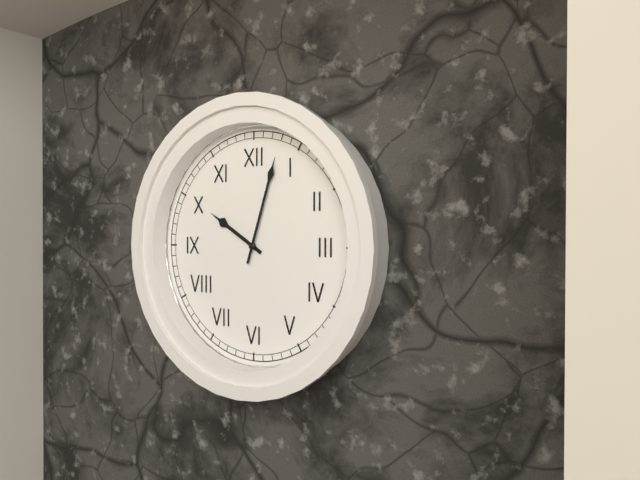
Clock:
10:03
